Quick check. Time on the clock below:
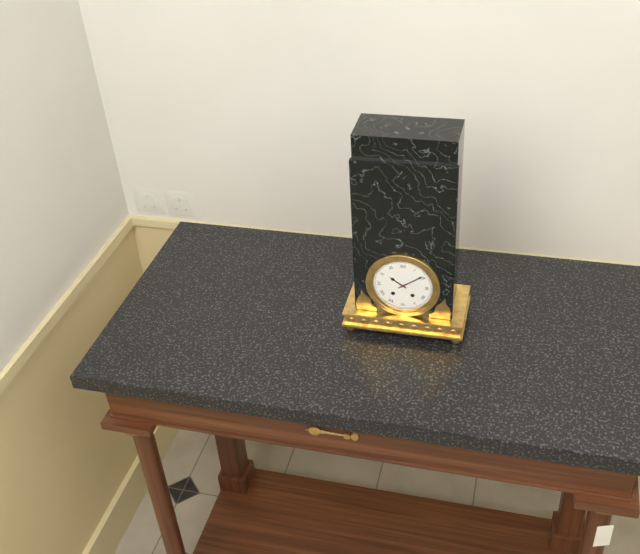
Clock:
10:09
